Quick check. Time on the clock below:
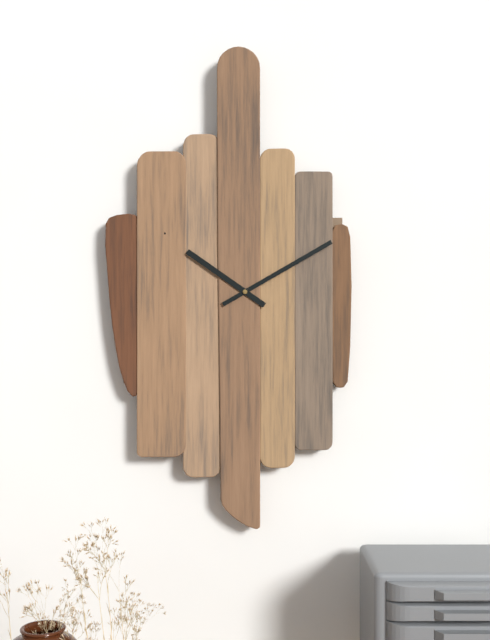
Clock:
10:10
